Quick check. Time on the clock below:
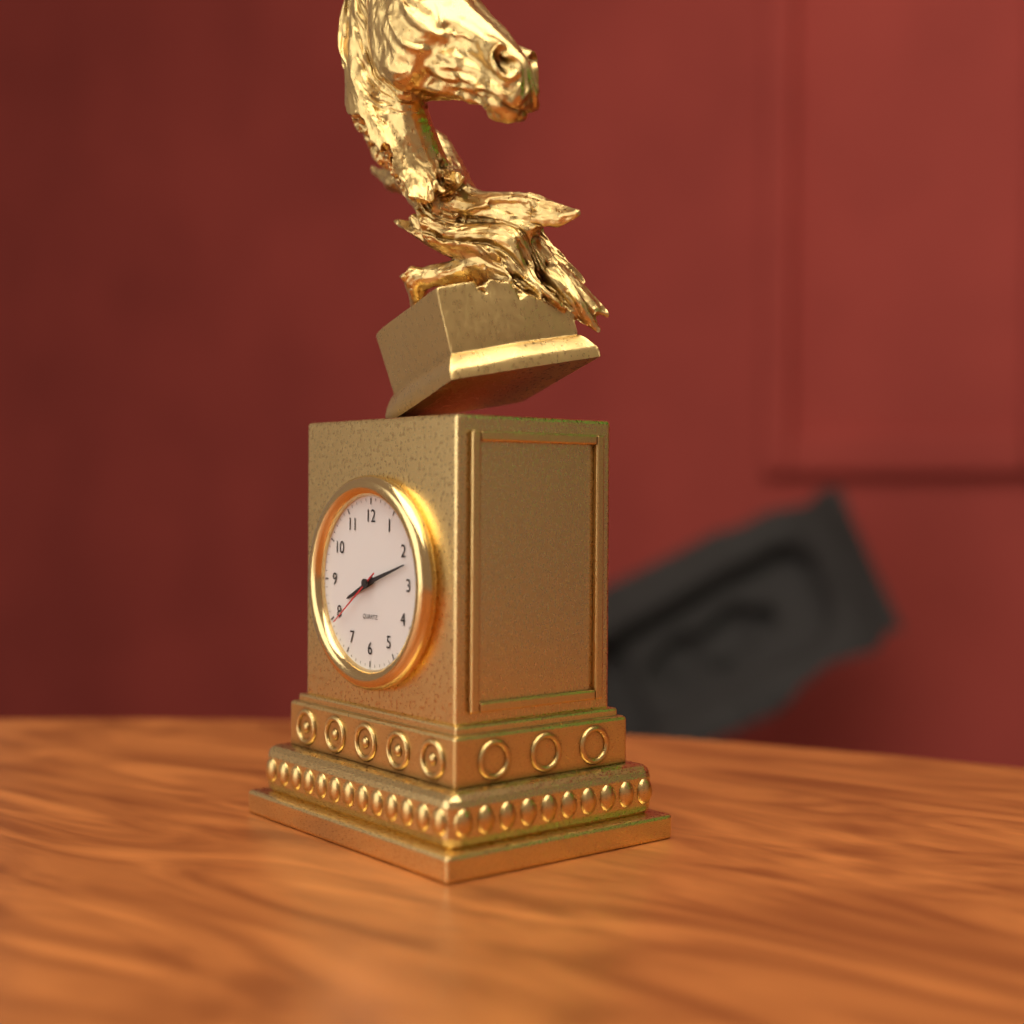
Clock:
8:12:39
